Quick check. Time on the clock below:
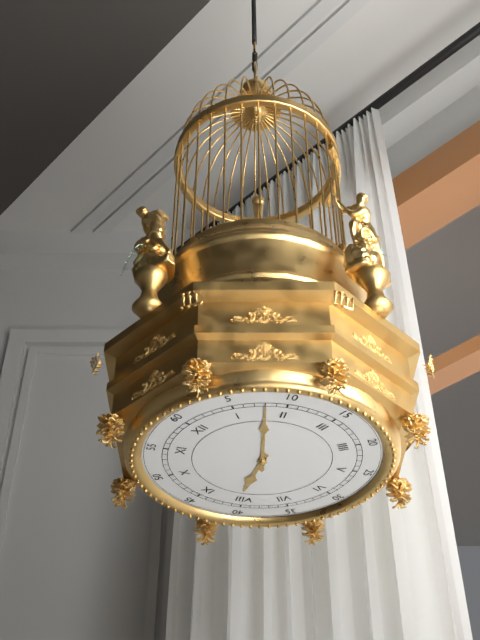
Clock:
8:08
